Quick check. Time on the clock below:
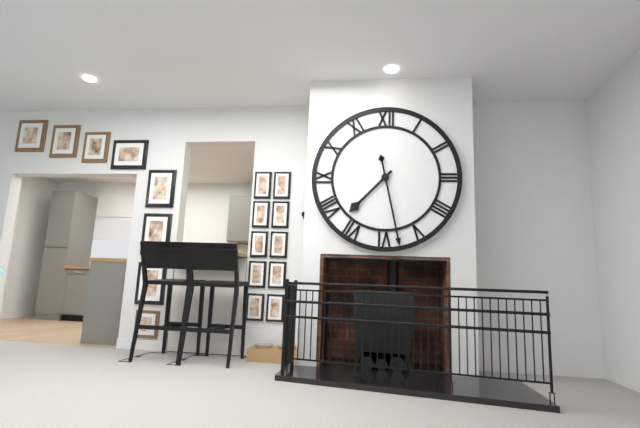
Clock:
7:28
